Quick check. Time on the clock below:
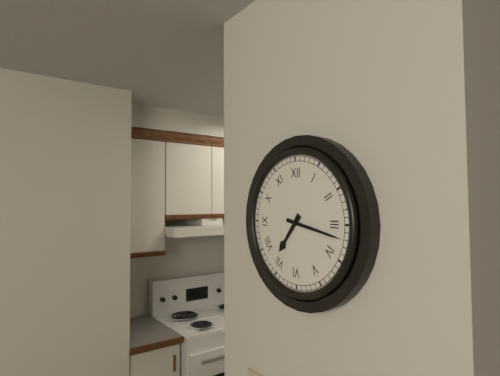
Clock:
7:17
